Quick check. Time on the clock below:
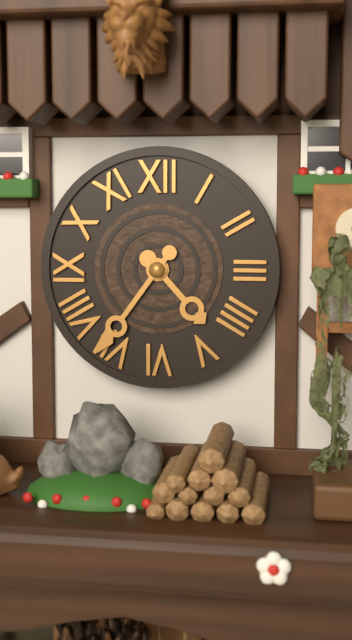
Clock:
4:36
